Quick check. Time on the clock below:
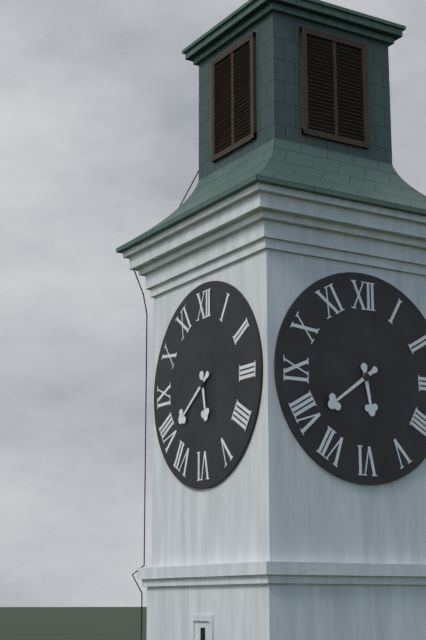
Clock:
5:39
